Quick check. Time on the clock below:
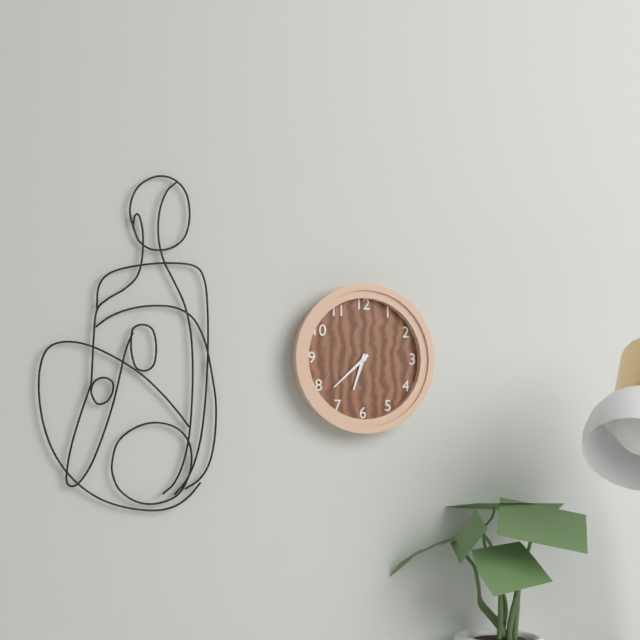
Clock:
6:38
